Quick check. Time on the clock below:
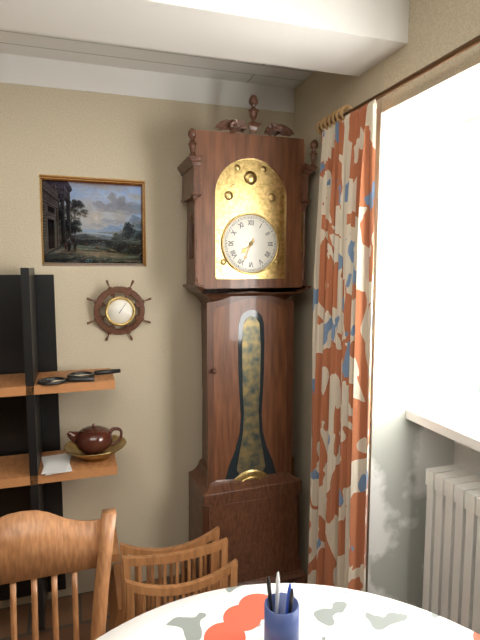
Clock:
7:34
